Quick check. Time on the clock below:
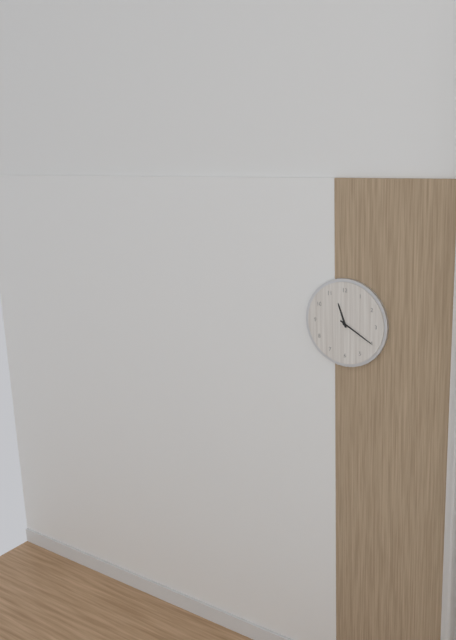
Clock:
11:20
